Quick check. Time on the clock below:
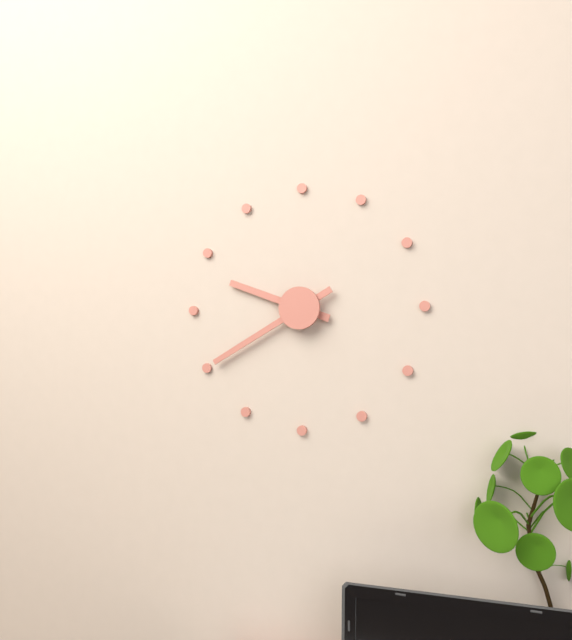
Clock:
9:40
